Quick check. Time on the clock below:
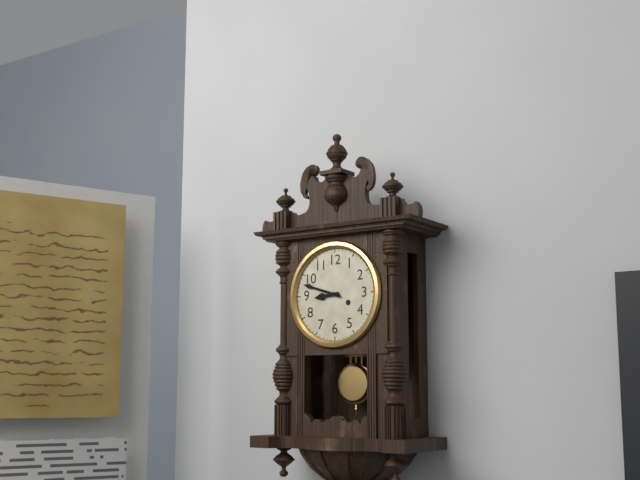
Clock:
8:48
